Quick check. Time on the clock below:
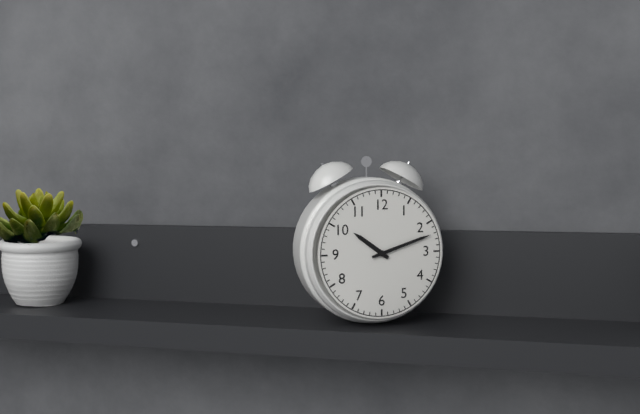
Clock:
10:12
